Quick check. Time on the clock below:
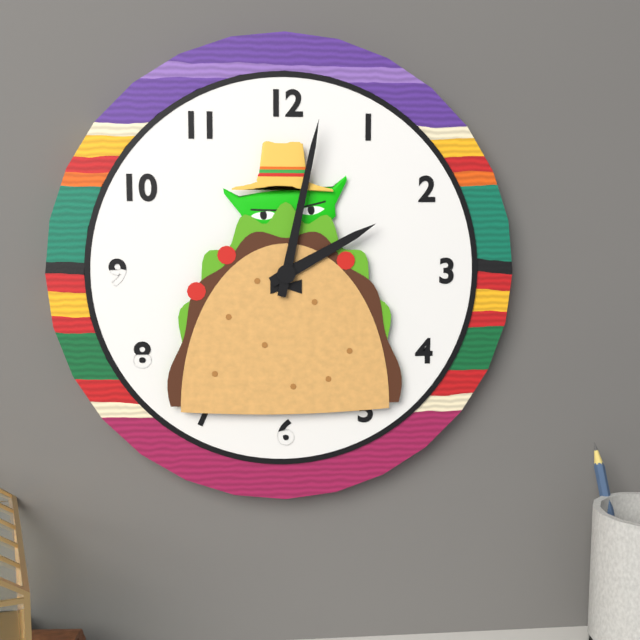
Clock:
2:02
